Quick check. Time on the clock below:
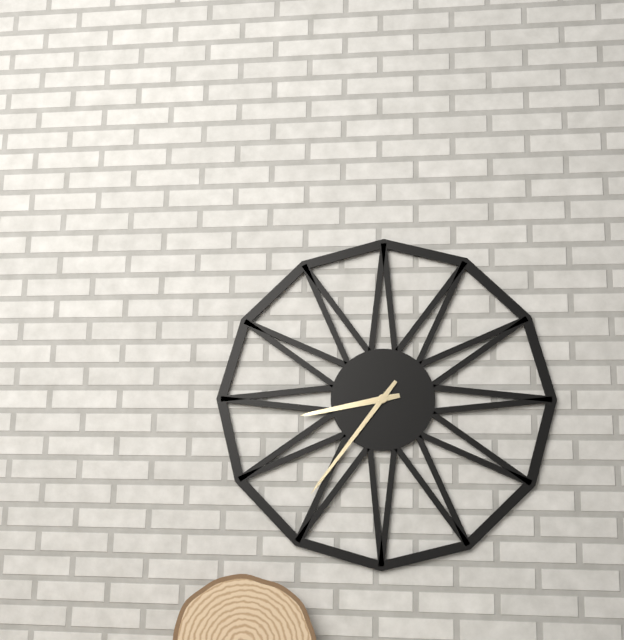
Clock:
8:36
